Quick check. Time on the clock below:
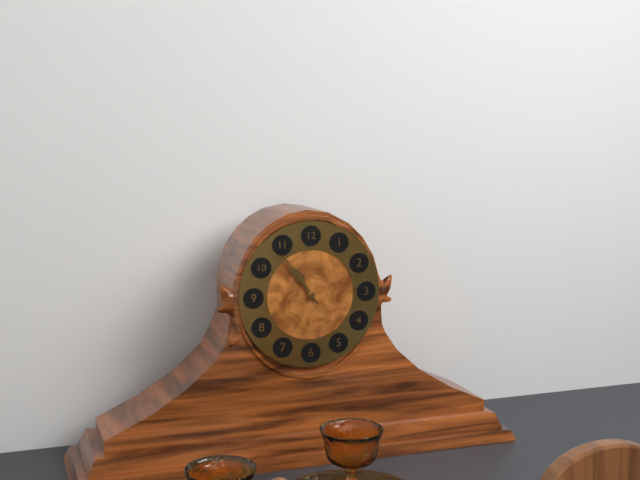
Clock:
10:54
